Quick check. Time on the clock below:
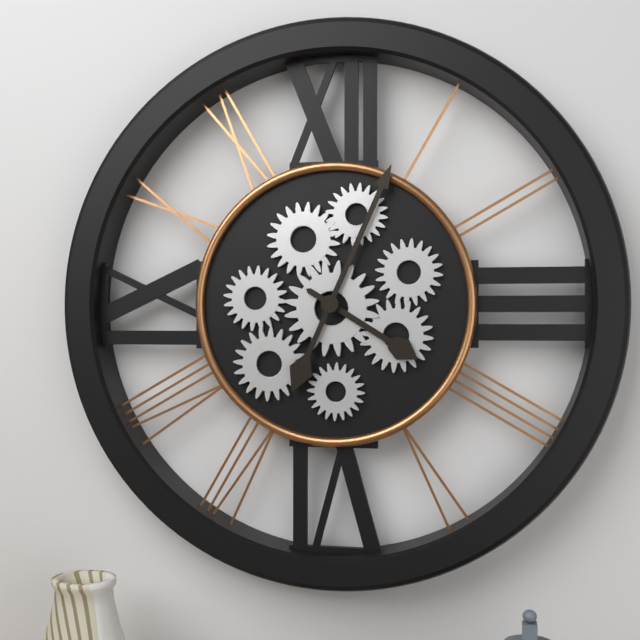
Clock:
4:04
